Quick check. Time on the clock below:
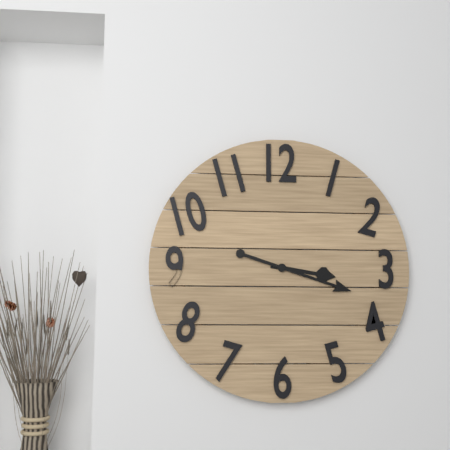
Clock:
3:18
